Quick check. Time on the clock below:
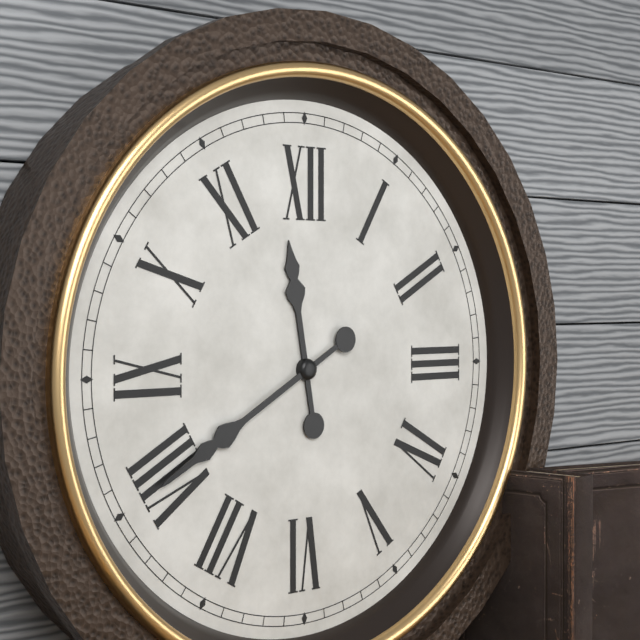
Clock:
11:40
